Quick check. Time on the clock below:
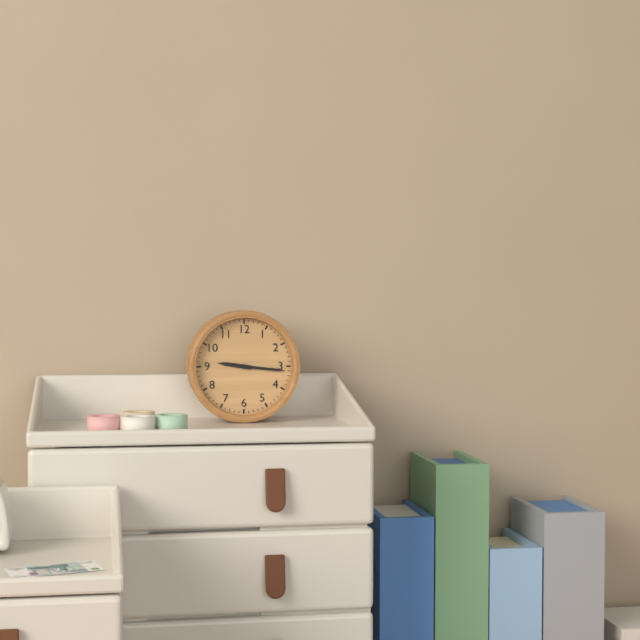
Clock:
9:16
